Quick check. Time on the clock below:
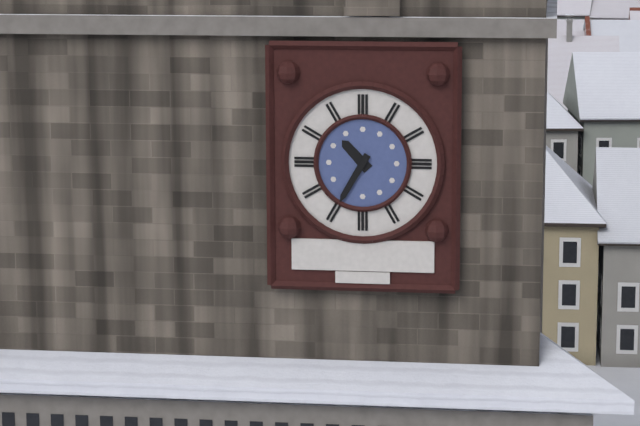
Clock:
10:35
